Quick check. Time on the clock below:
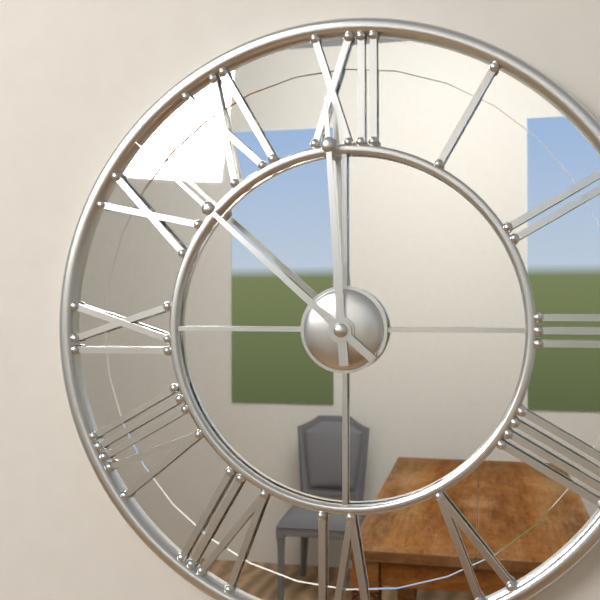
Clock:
11:52
